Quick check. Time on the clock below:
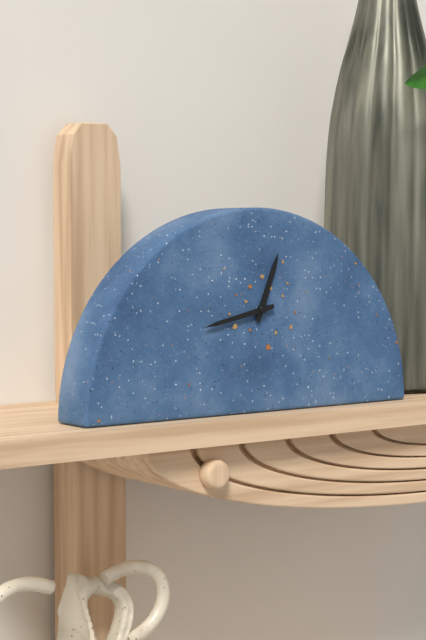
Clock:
12:43
